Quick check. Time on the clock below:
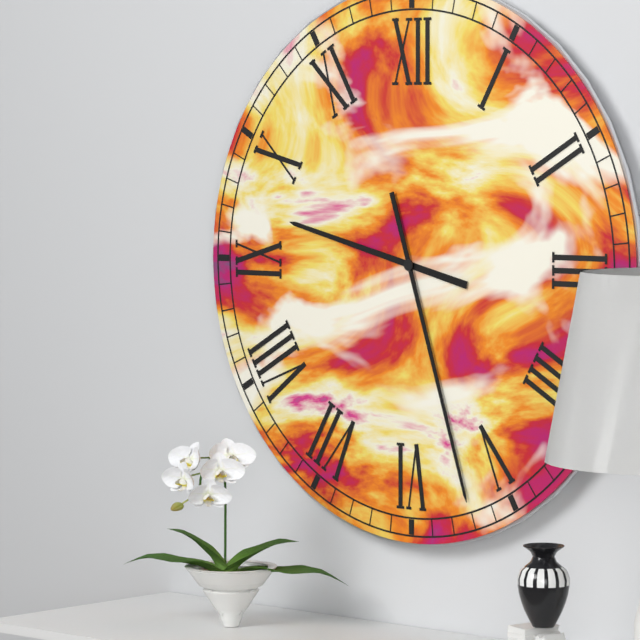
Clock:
9:27
